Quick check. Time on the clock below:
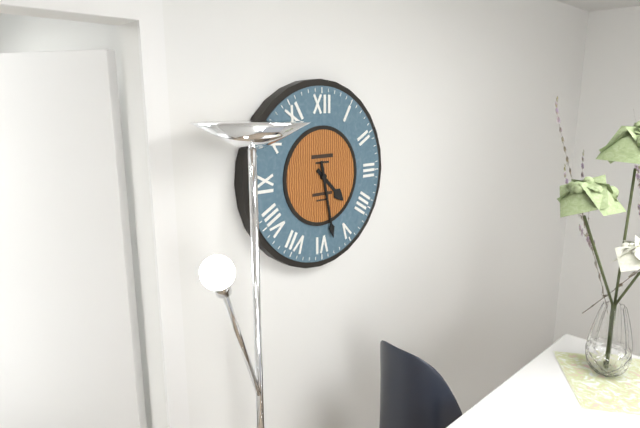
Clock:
4:28
